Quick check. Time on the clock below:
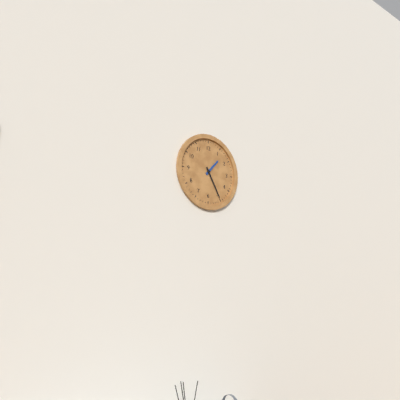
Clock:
1:25
